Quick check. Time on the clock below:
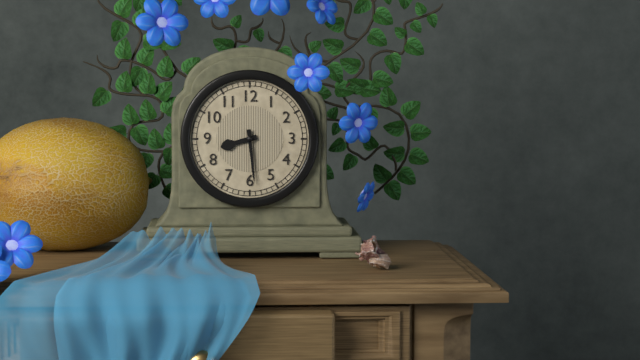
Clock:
8:29
